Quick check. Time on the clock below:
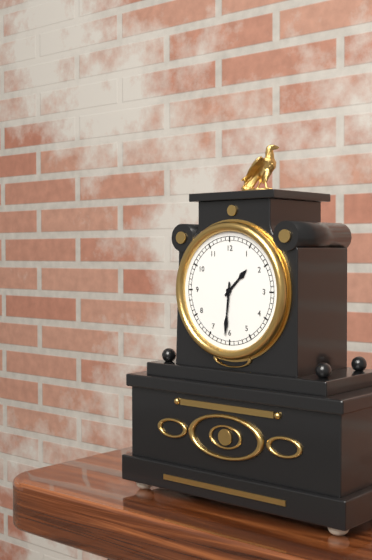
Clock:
1:31
